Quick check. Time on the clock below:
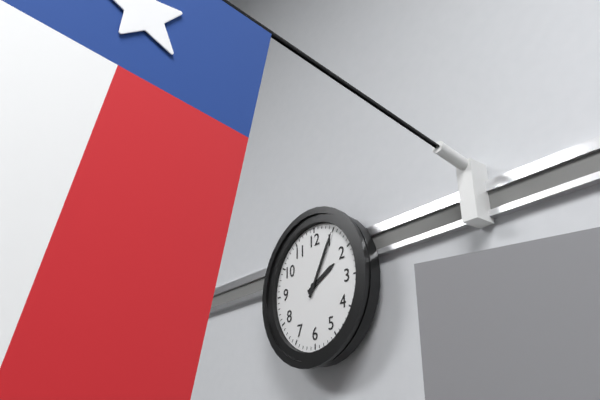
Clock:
2:05
